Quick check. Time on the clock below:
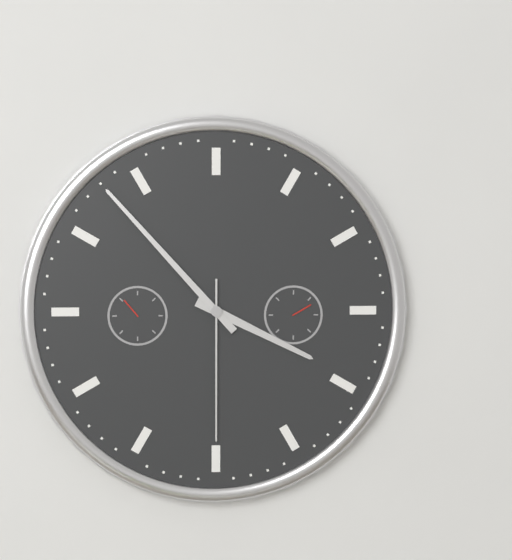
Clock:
3:53:30
